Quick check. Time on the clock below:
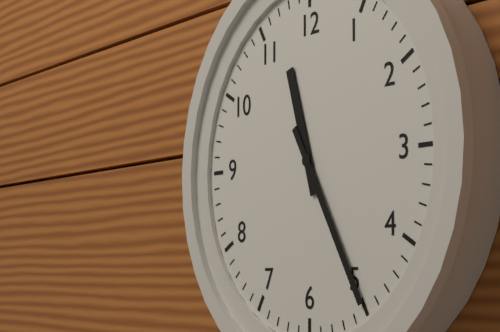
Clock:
11:25
